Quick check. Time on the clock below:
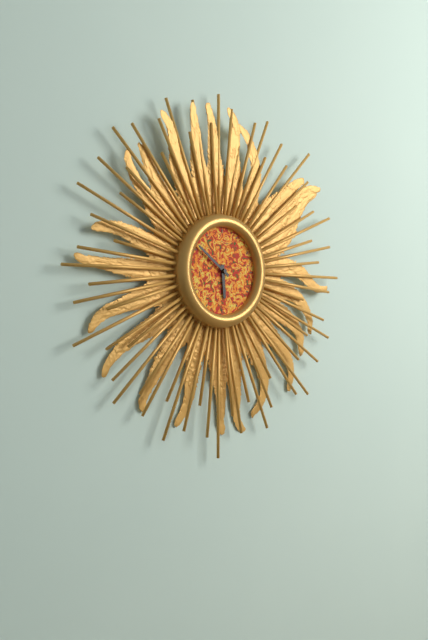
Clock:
5:51
